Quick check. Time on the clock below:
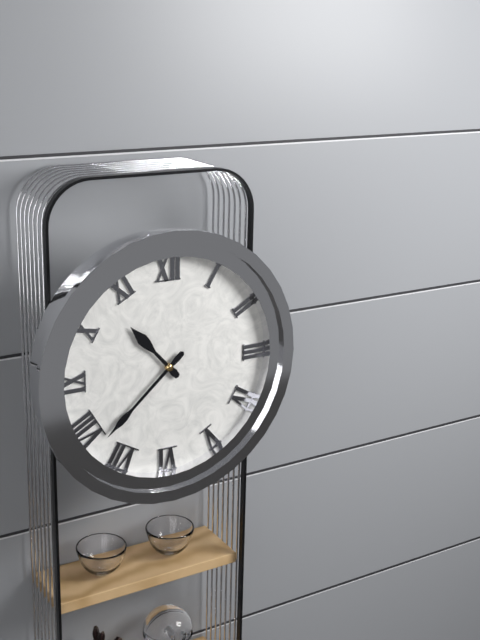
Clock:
10:38
